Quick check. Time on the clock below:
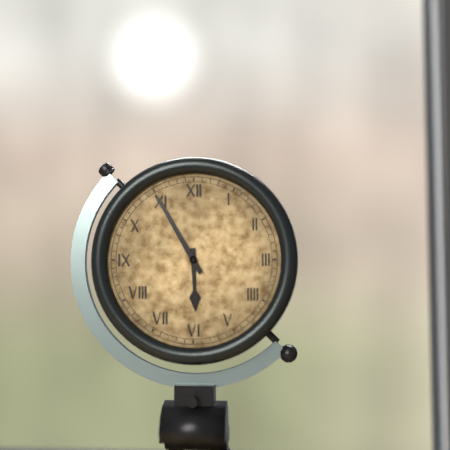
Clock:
5:55
